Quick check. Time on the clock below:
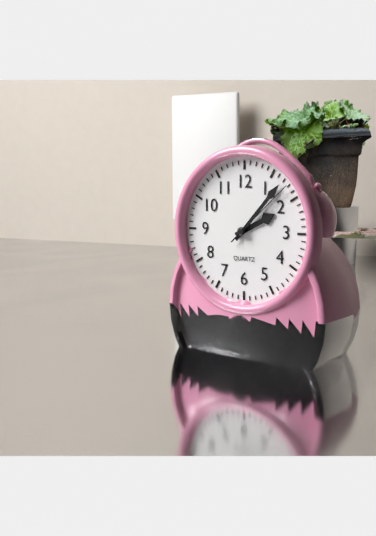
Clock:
2:07:08
